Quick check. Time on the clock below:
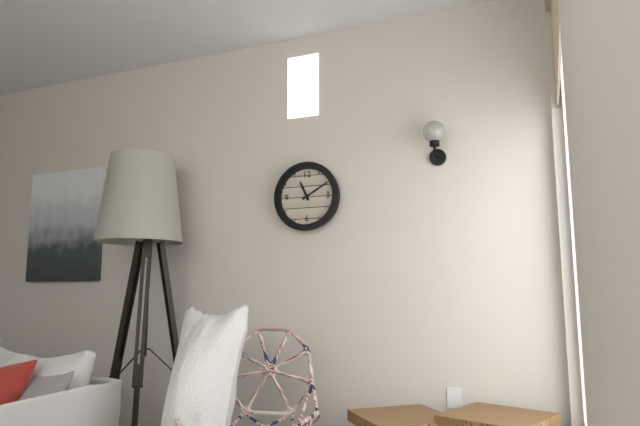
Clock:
11:10
